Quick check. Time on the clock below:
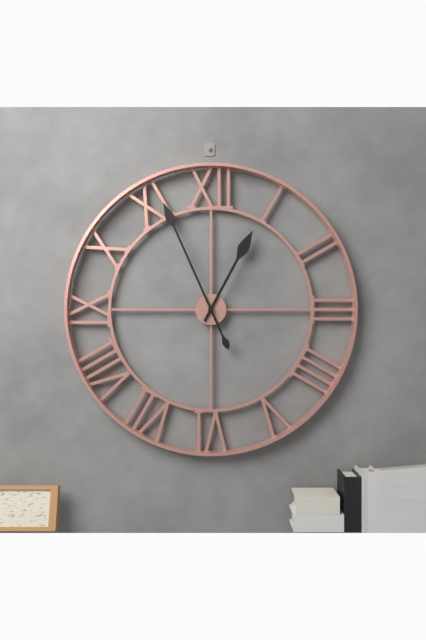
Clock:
12:56
